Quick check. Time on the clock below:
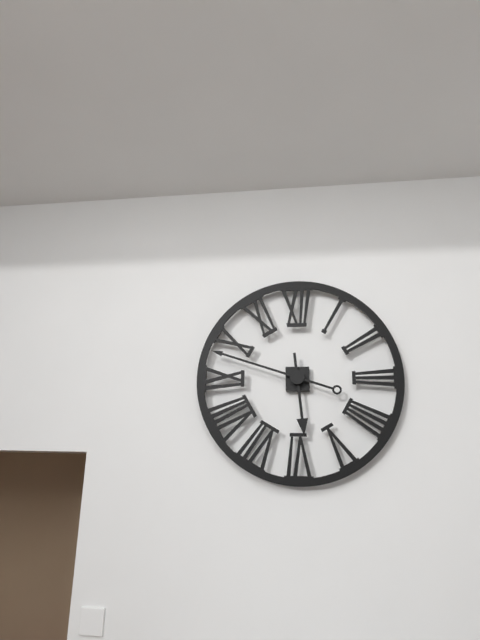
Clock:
5:48
